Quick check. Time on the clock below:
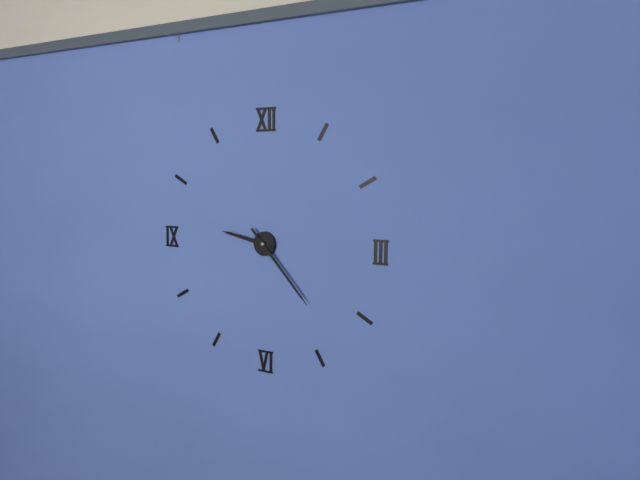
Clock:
9:23
